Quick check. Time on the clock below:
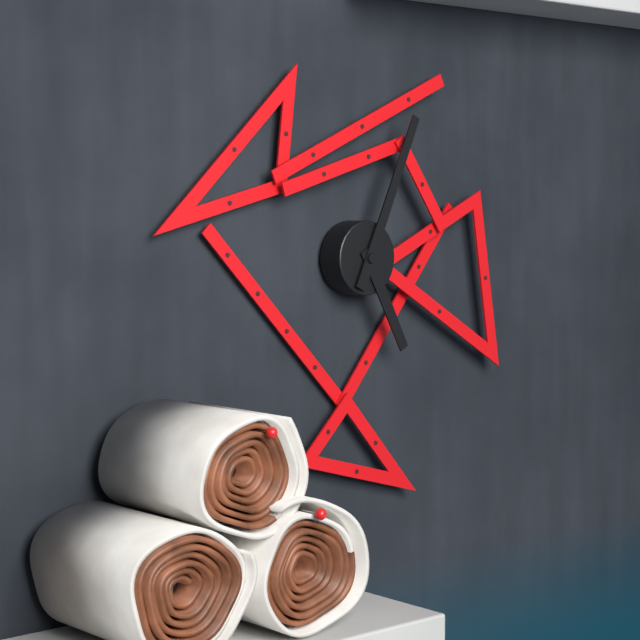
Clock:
5:04
